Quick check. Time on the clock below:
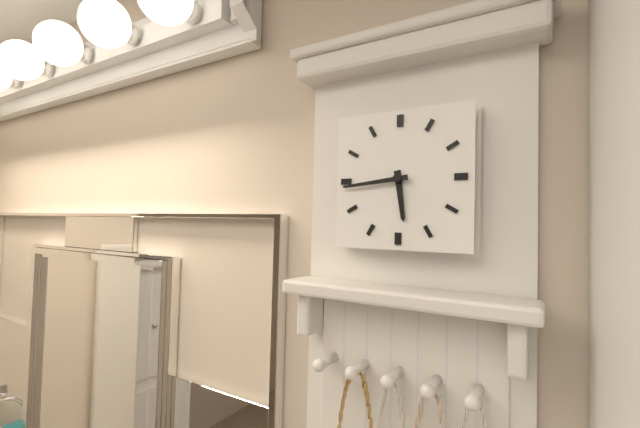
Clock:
5:44
